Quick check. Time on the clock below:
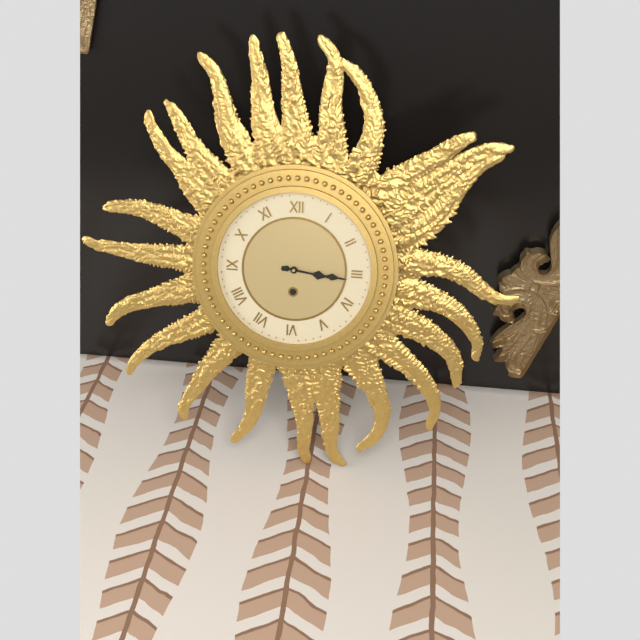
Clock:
3:16
